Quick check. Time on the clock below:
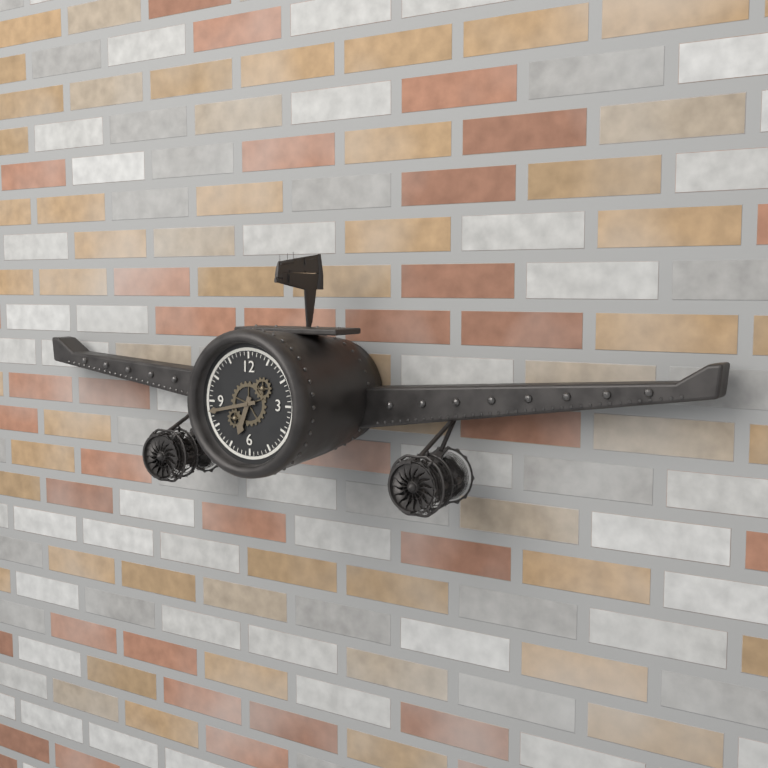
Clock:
6:43
